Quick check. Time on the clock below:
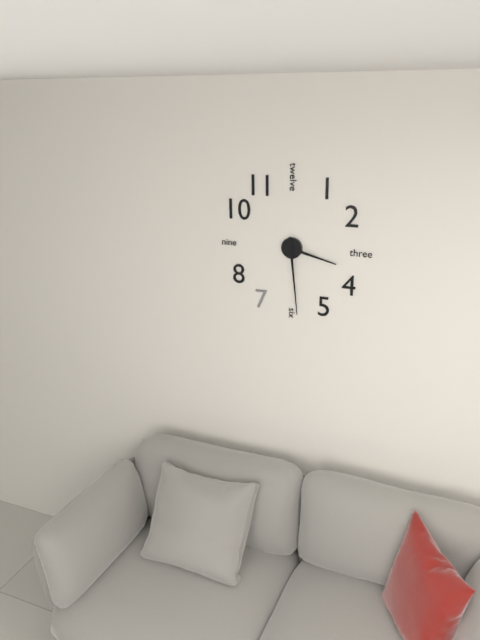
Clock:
3:29
